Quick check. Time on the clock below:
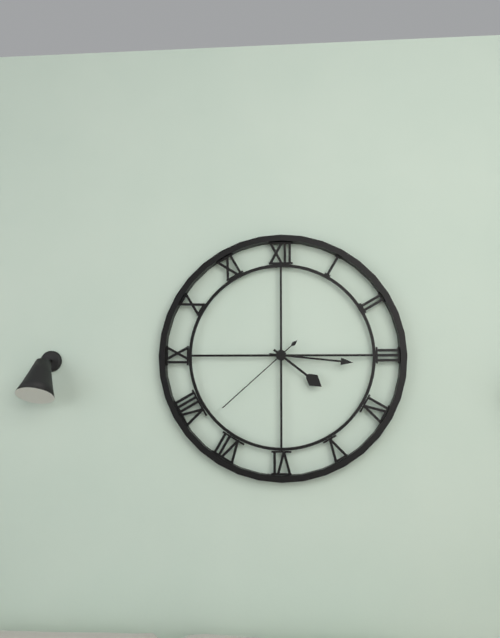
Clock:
4:16:38
